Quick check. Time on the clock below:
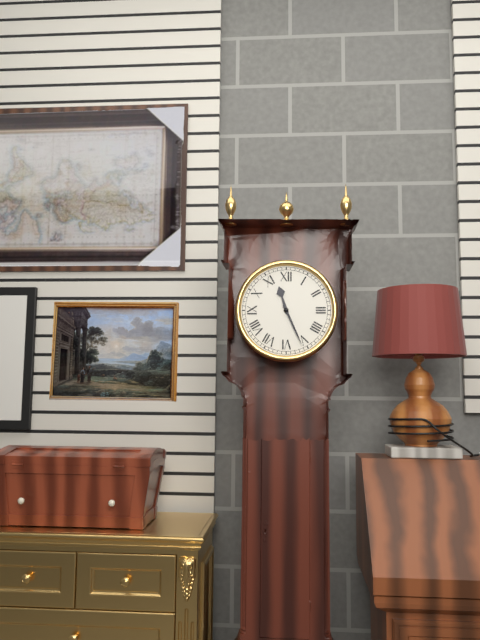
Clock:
11:26
